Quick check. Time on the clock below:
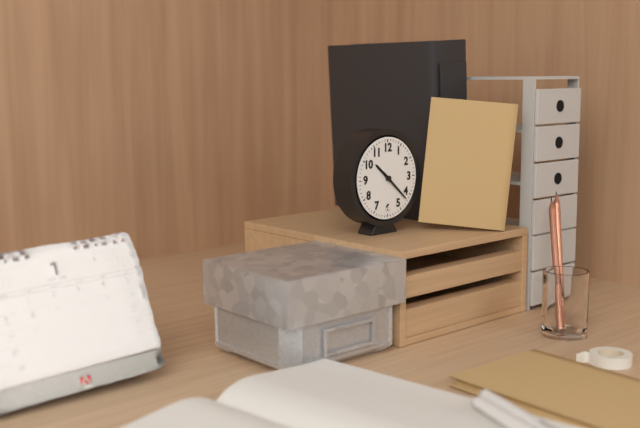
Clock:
10:22
